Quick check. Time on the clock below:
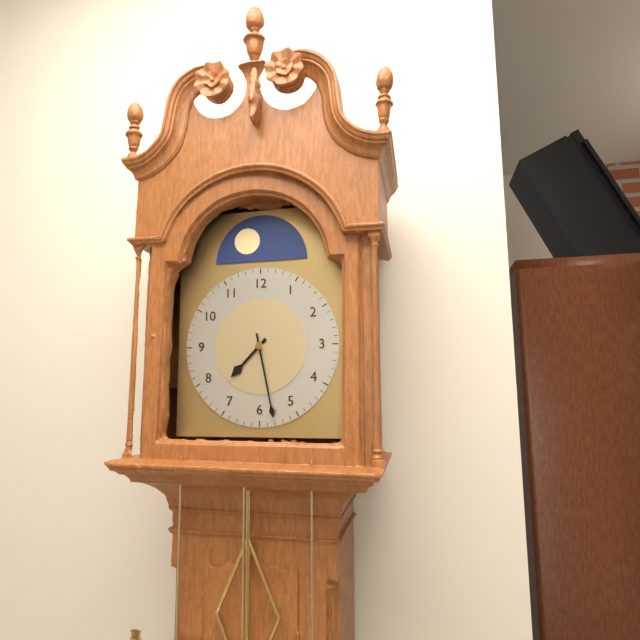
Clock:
7:28
